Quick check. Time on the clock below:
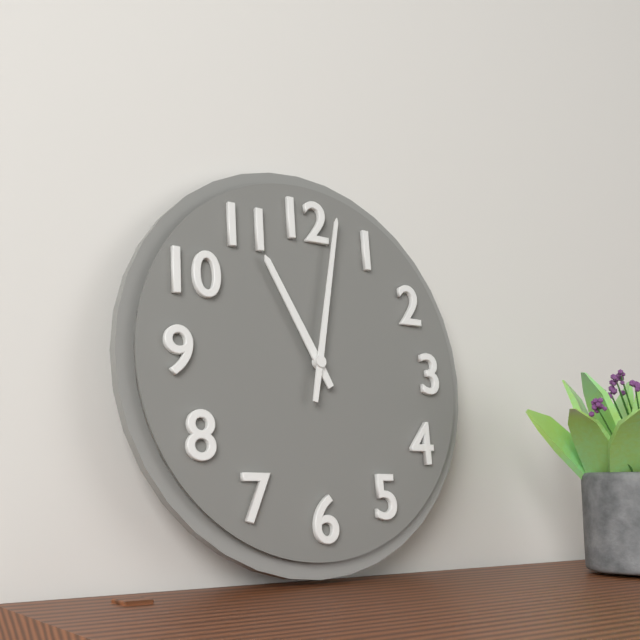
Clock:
11:02
